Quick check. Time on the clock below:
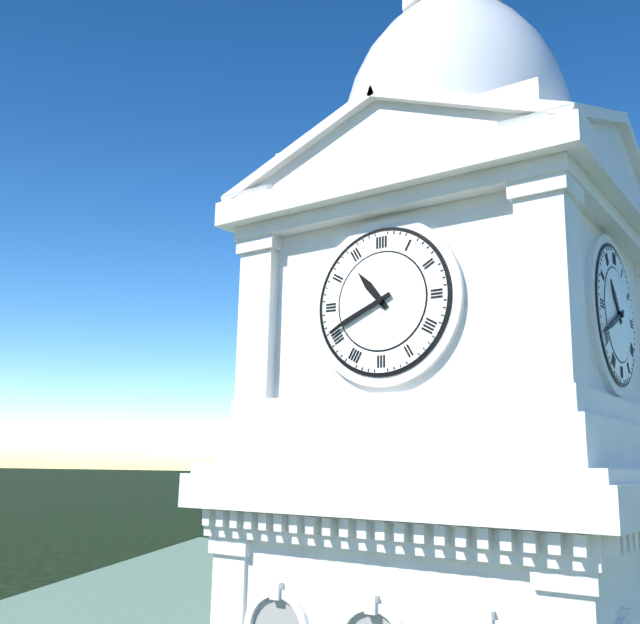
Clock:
10:41
